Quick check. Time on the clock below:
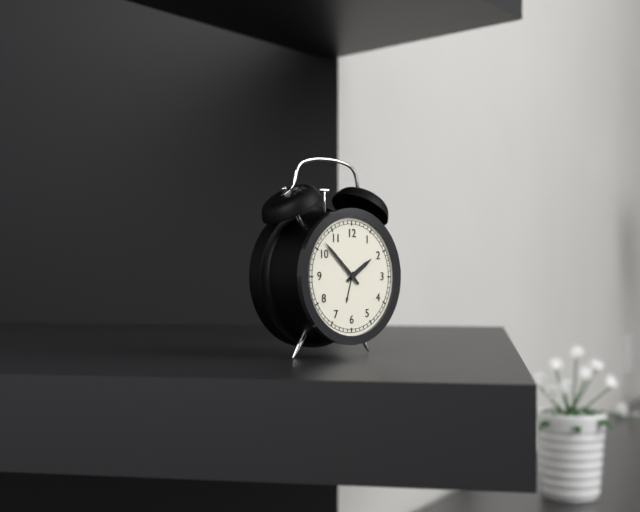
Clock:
1:52
